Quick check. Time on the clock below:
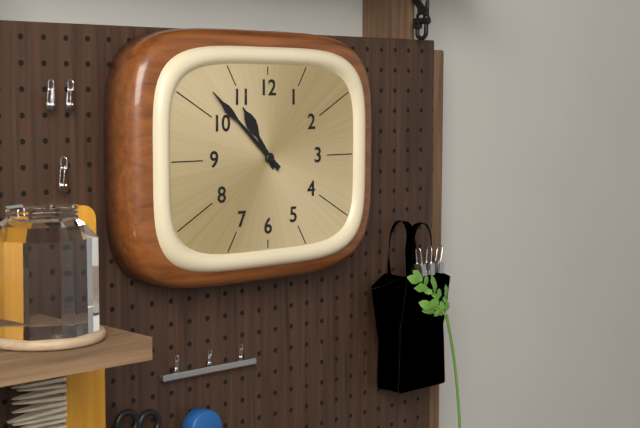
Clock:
10:52
